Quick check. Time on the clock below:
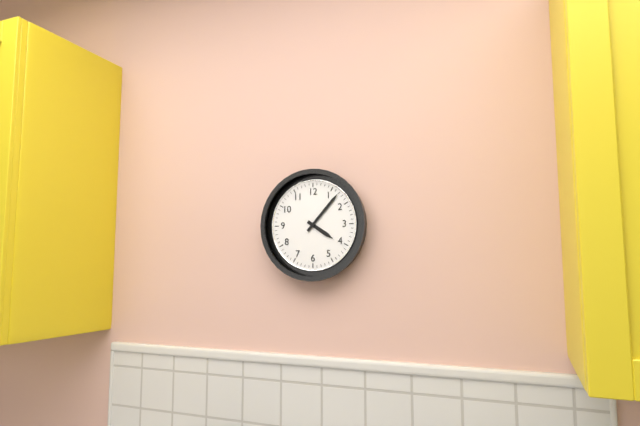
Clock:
4:07
